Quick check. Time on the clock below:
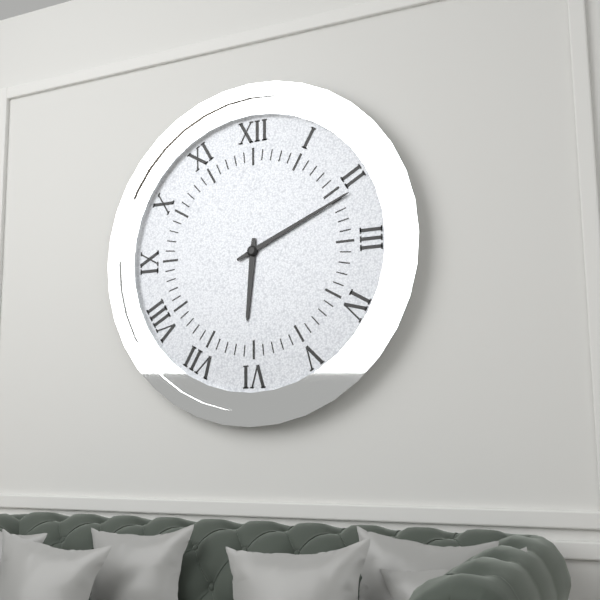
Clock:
6:11
